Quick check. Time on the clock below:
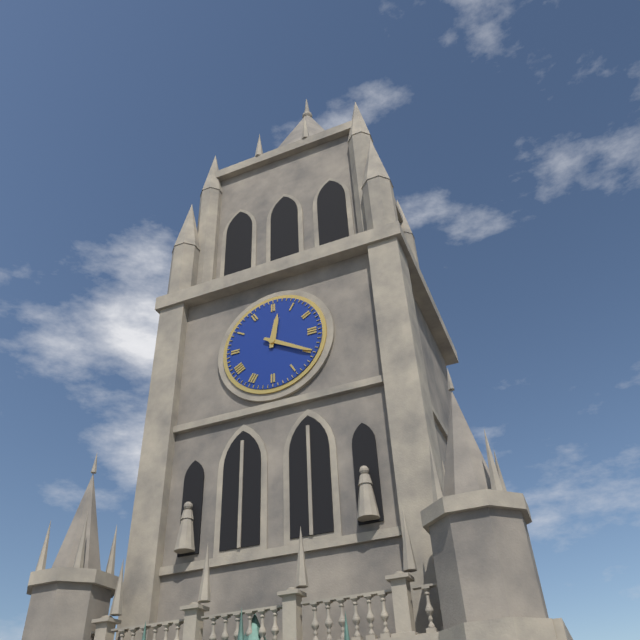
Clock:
12:20
